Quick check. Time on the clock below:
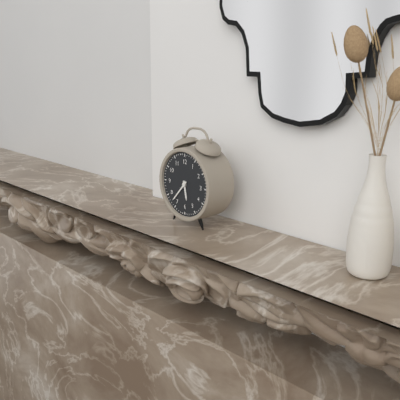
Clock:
5:37
